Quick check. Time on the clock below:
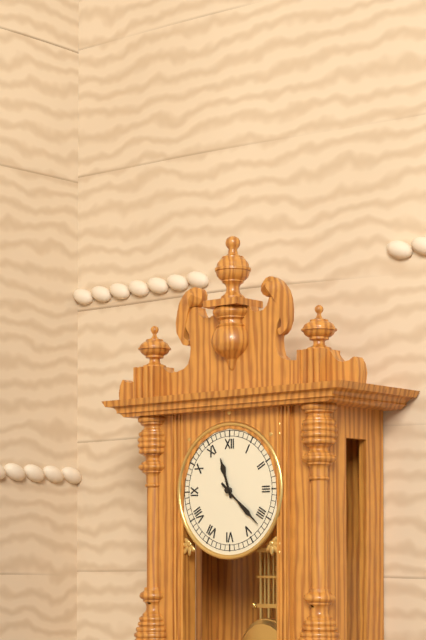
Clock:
11:22
